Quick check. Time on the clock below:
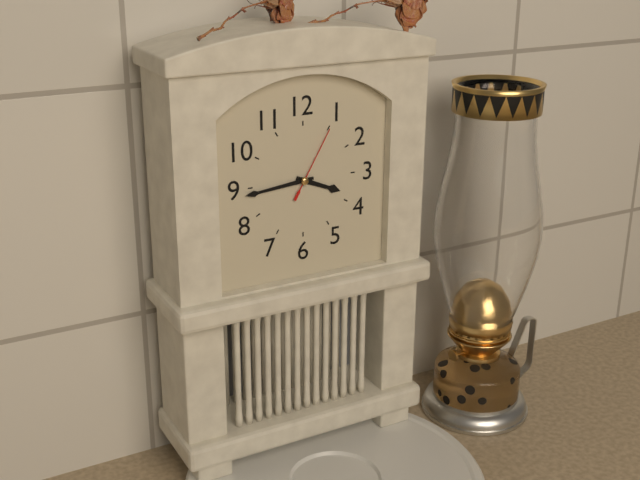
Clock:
3:44:05
